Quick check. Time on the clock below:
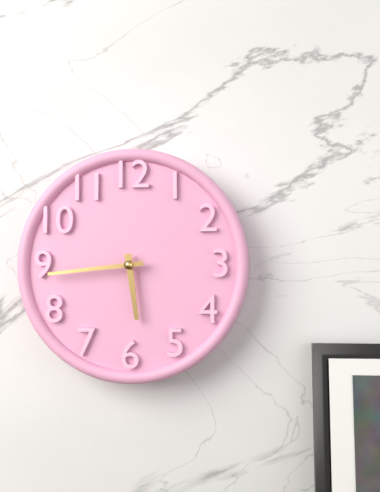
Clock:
5:44
